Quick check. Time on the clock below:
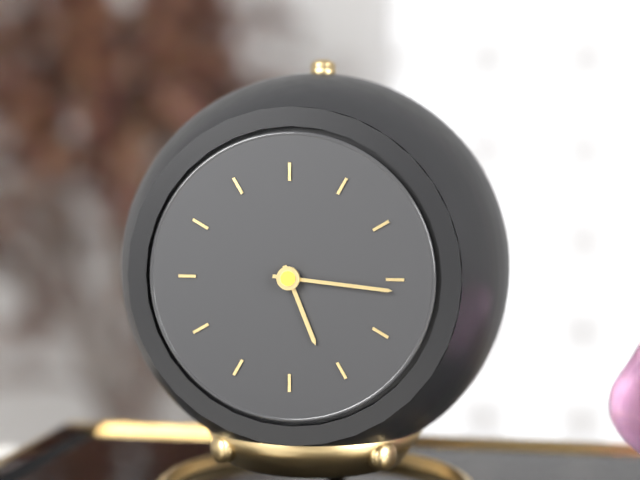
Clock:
5:16
